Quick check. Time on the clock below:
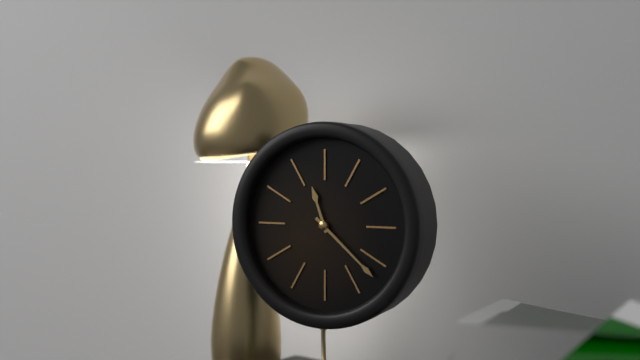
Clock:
11:22
